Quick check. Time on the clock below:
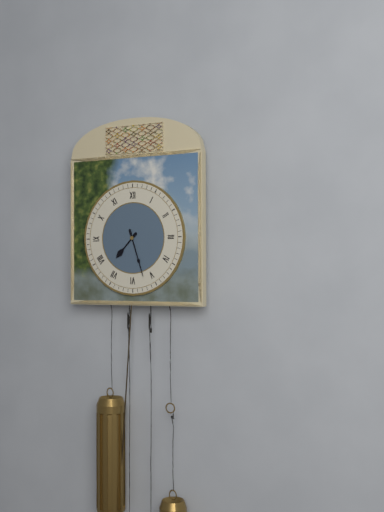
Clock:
7:27
